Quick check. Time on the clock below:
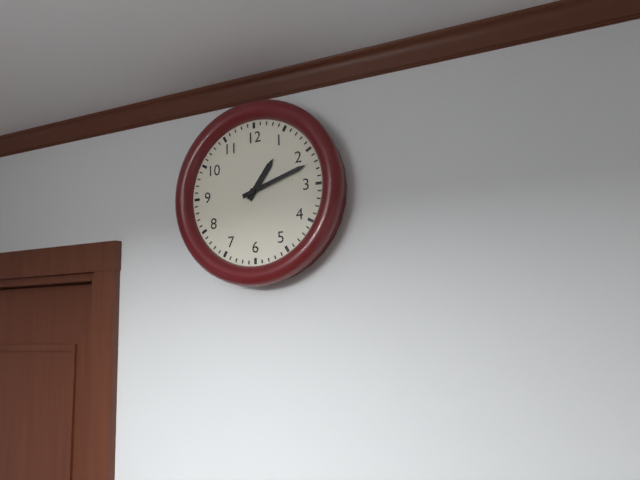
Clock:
1:12
